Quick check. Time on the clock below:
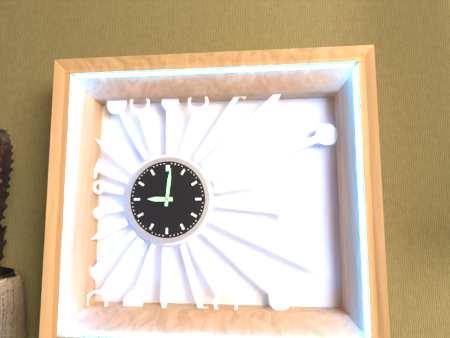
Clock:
9:01
